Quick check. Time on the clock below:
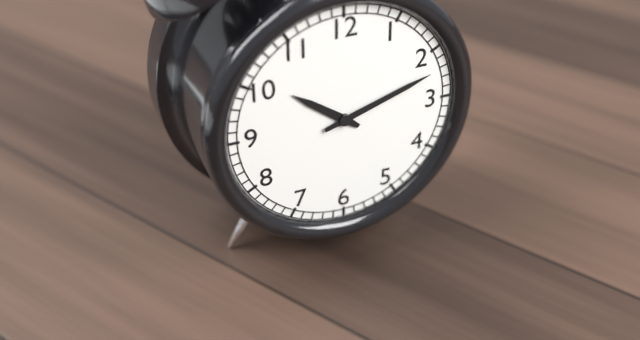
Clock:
10:12
